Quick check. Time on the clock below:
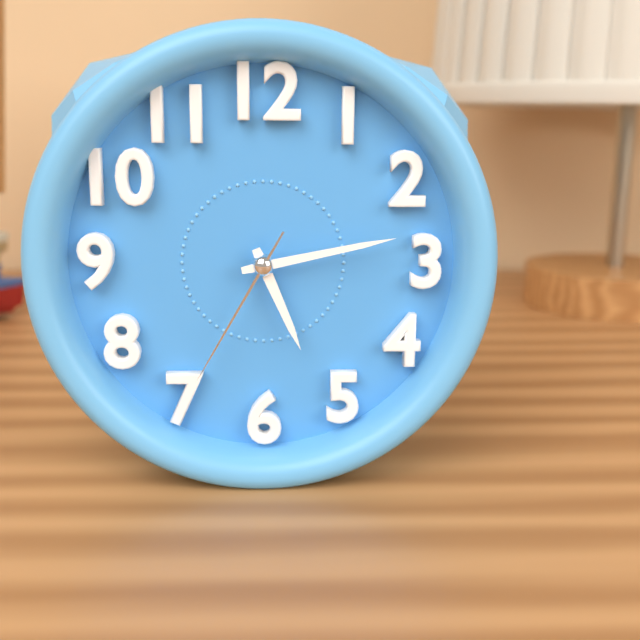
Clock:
5:13:35
